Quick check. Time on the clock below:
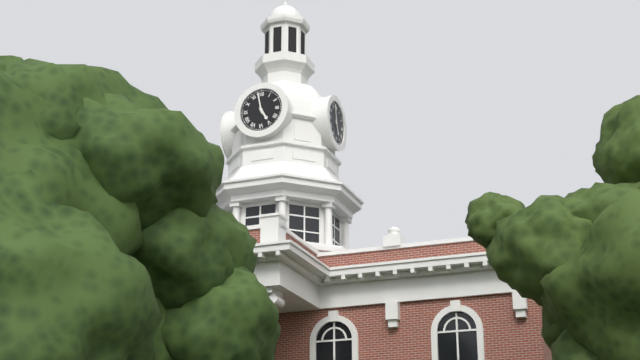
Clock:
4:58
